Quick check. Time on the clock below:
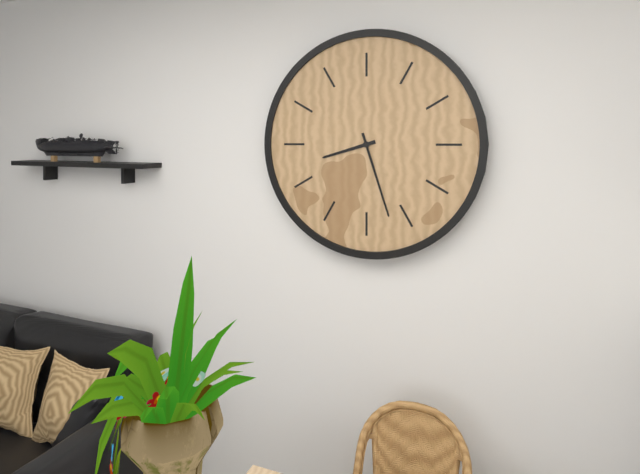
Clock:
8:27
